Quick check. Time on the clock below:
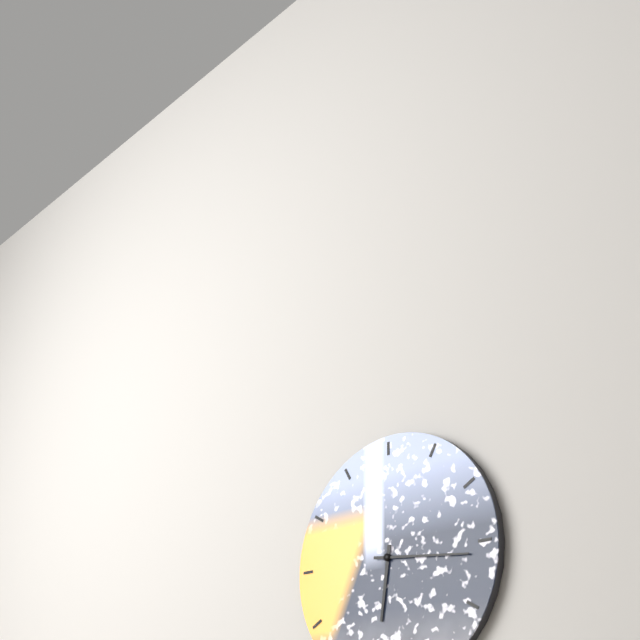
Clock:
6:16
